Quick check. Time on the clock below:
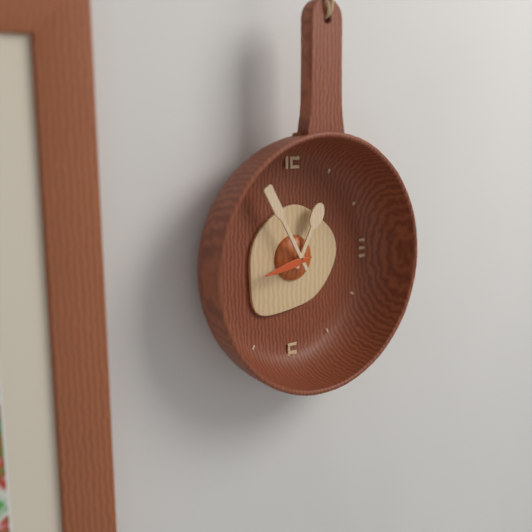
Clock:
12:55:43
